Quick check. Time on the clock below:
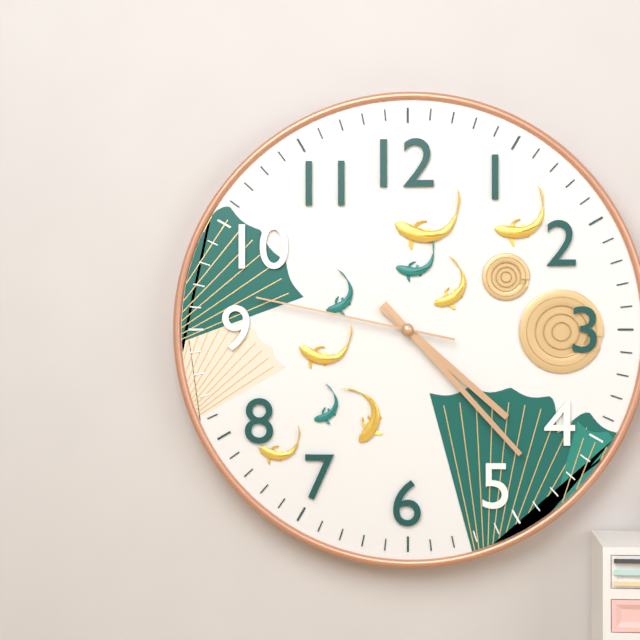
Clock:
4:23:47
